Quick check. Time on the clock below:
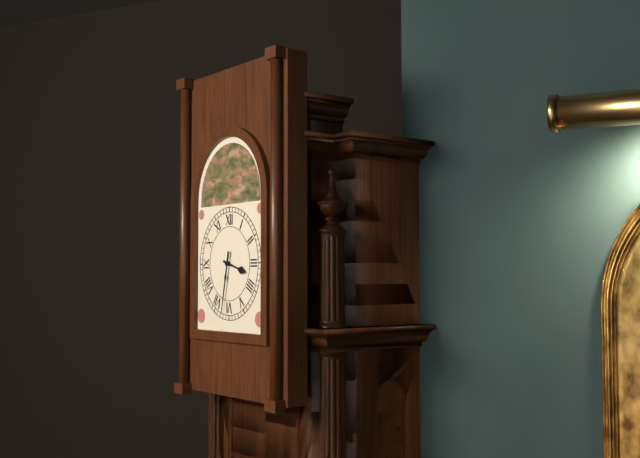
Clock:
3:32
